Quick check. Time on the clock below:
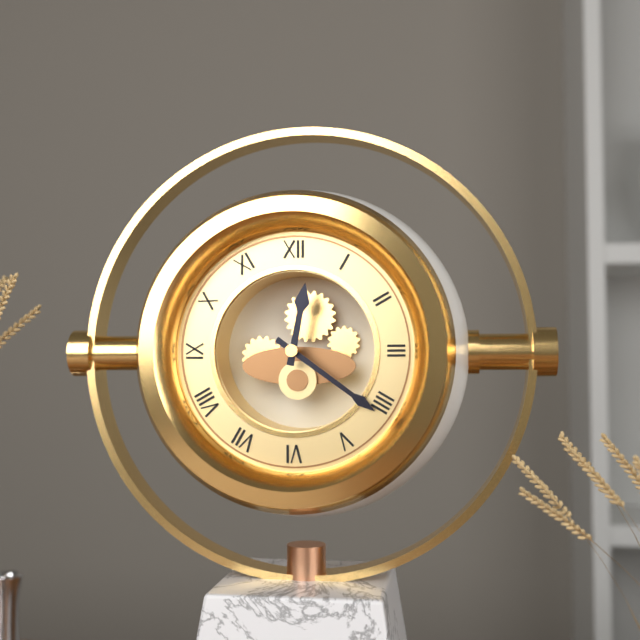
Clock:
12:21
